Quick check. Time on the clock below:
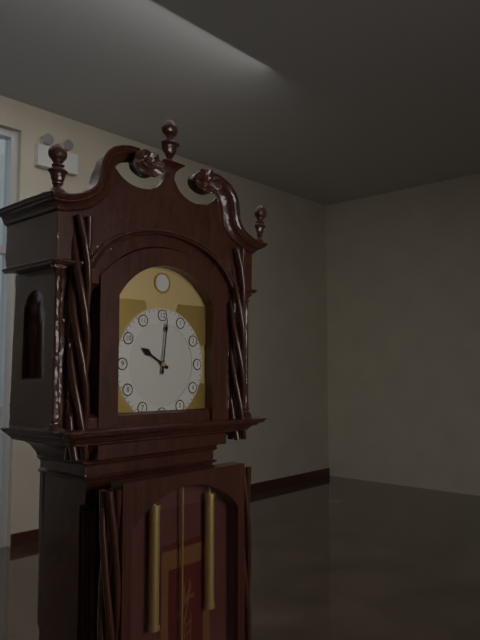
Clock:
10:01
